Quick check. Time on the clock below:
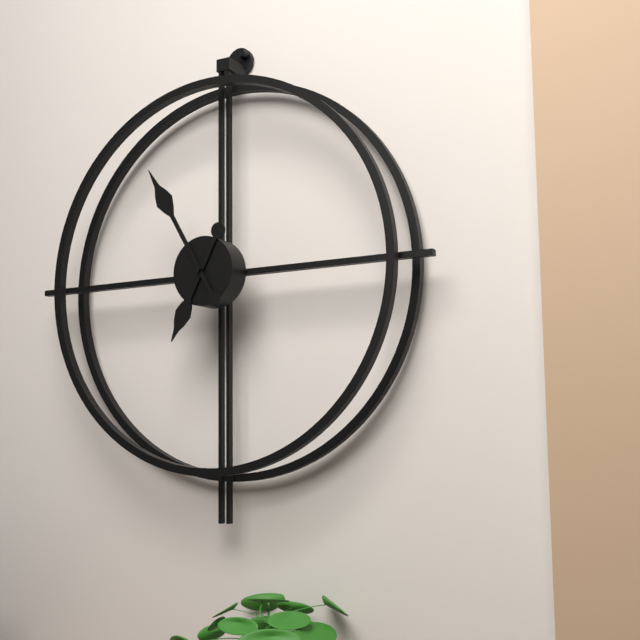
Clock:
6:55
